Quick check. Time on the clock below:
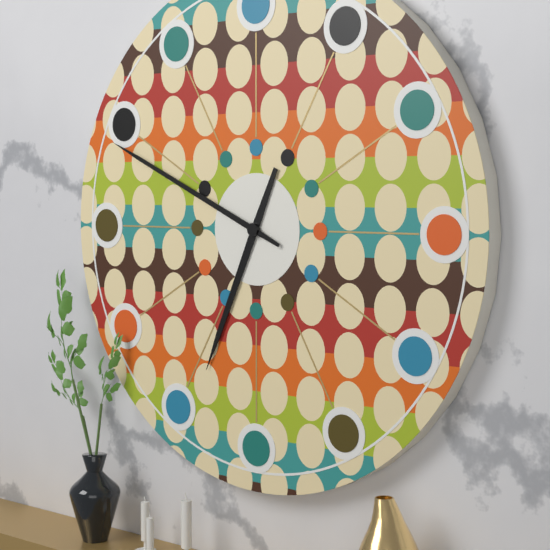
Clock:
6:49
